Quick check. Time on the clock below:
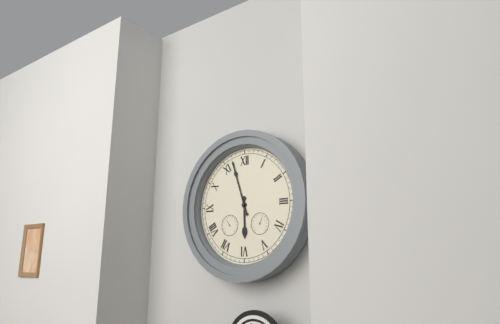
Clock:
5:57
